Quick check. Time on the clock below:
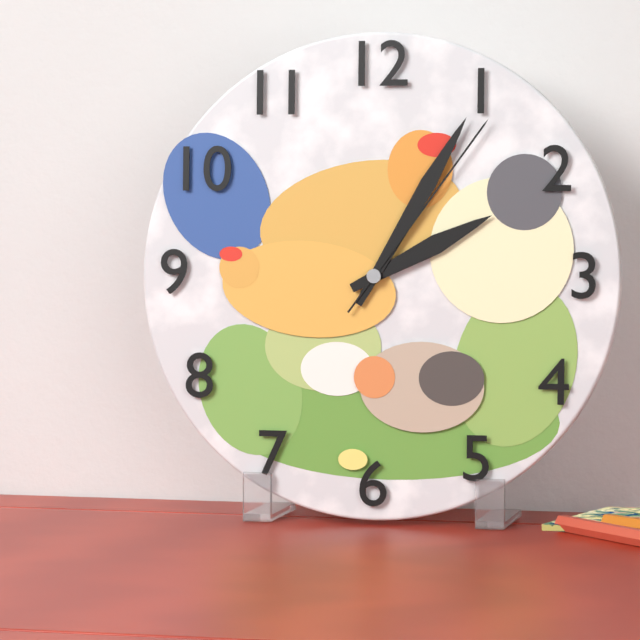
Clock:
2:05:06
